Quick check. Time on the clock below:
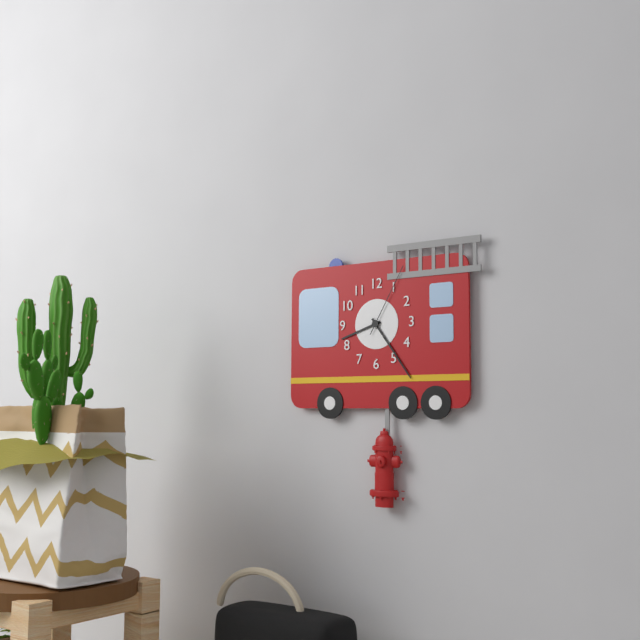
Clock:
8:24:05
